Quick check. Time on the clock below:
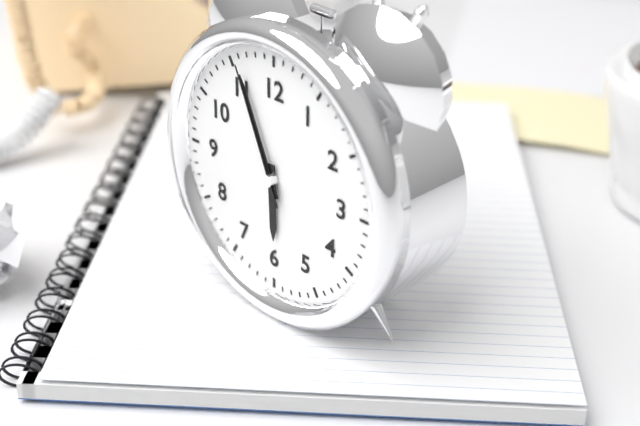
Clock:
5:56:56
